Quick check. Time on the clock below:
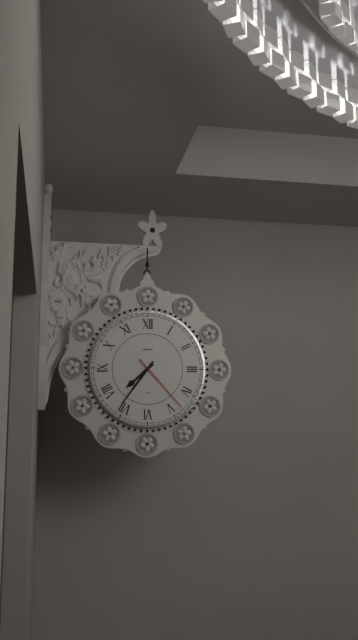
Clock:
7:36:23
